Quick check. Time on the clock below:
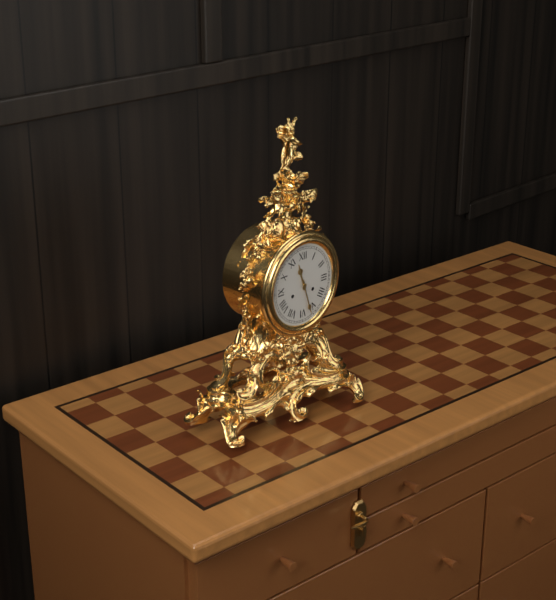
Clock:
11:27
